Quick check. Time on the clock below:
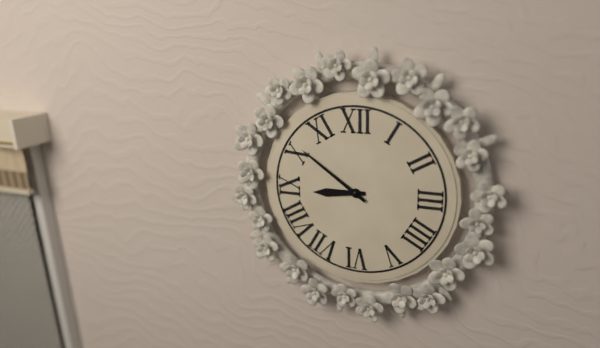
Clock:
8:51
